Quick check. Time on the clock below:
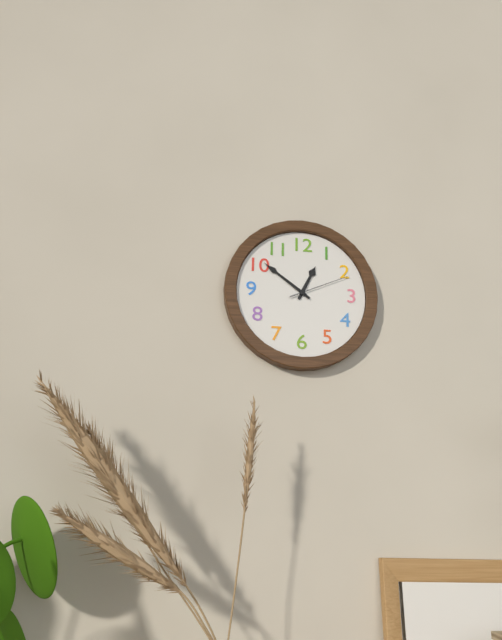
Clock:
12:51:11
